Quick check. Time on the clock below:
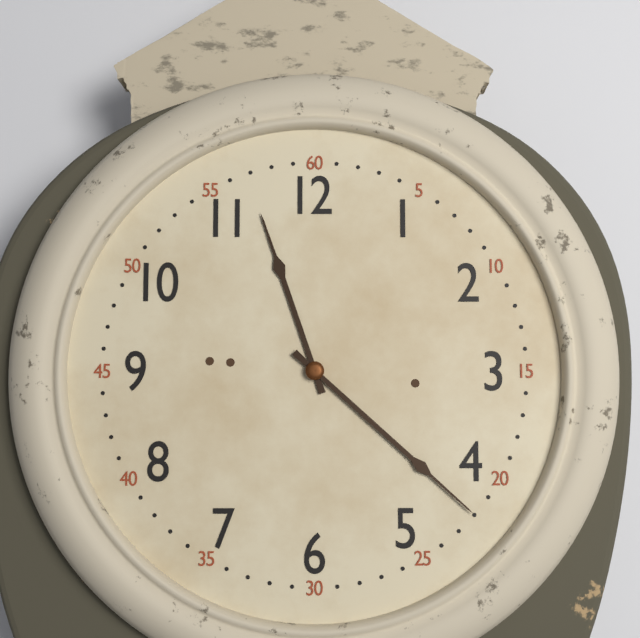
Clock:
11:22
